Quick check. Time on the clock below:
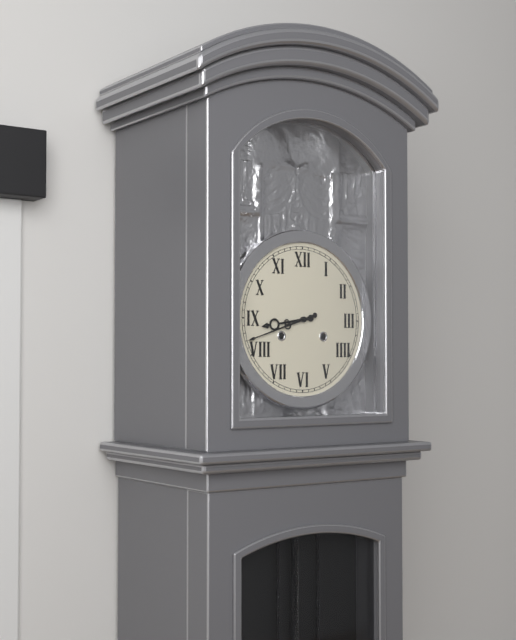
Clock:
8:42
